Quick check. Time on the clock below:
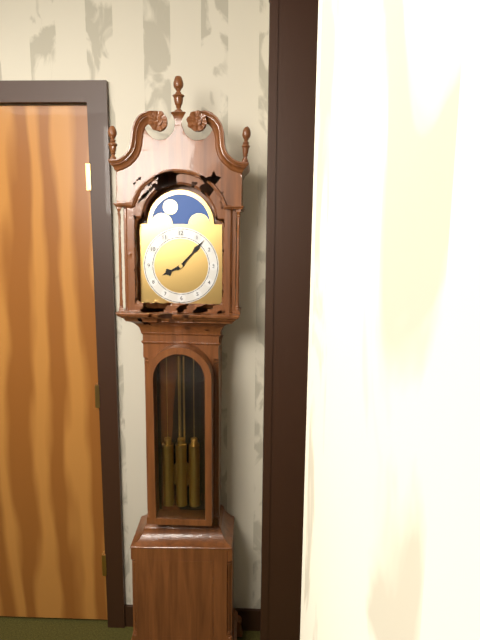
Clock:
8:07
